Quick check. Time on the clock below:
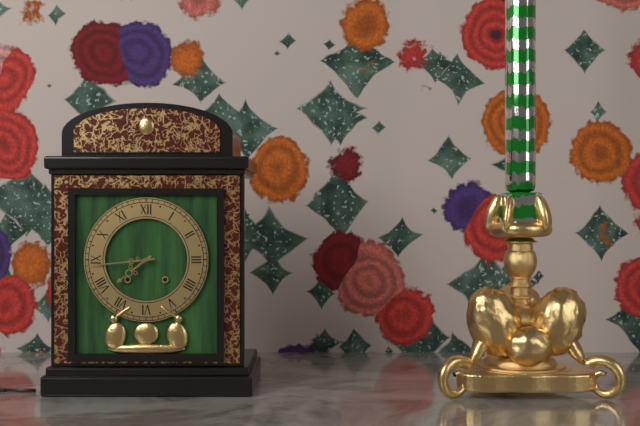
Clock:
7:44
